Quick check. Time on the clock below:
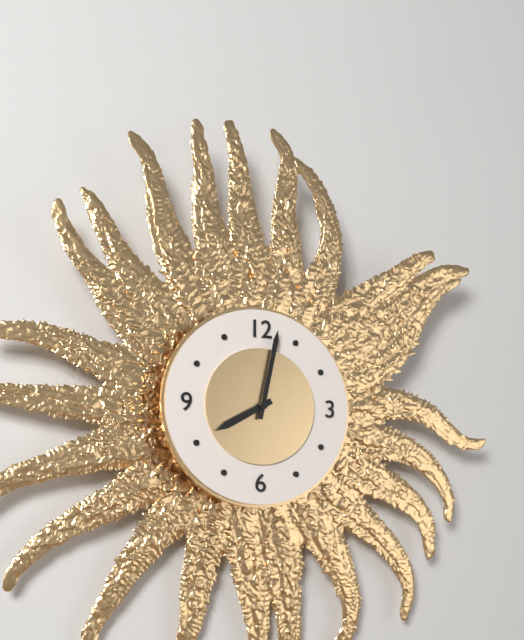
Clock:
8:02
